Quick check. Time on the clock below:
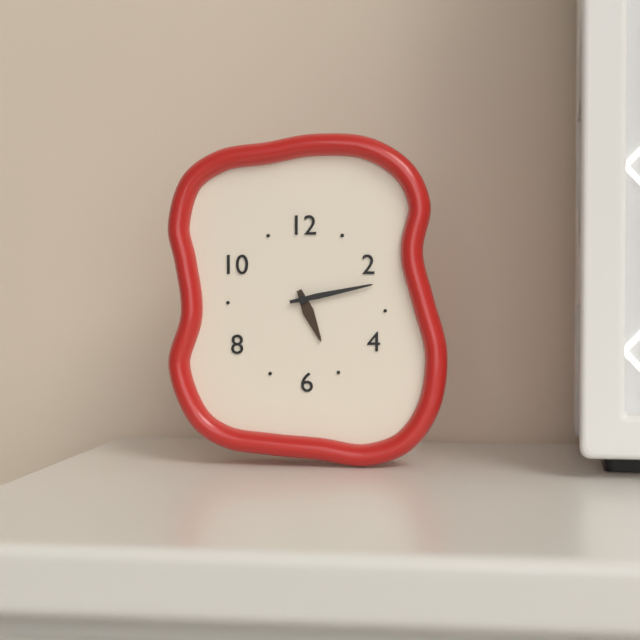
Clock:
5:13
